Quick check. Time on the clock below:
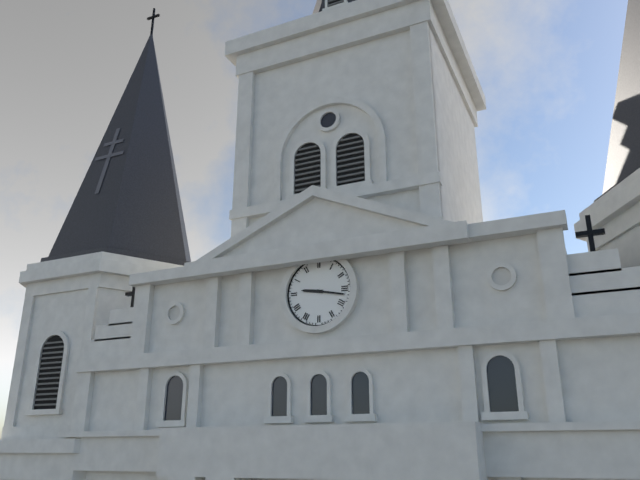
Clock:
9:17
